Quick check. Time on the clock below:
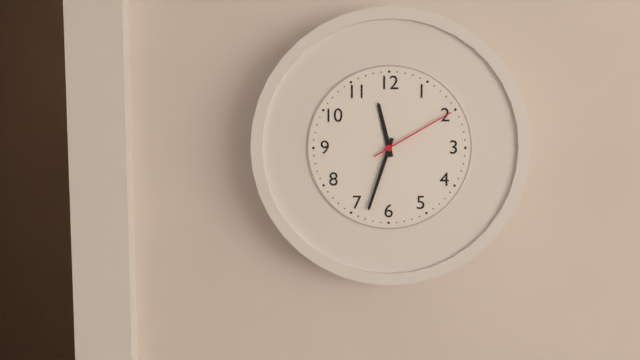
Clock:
11:33:10
